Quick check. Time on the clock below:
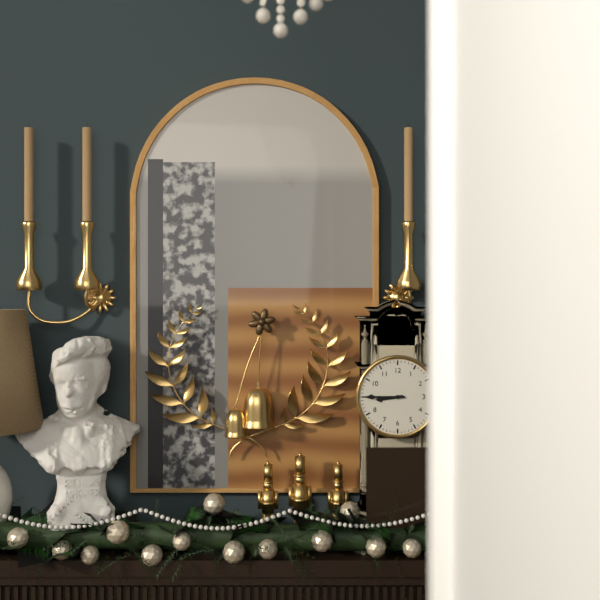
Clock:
8:45
